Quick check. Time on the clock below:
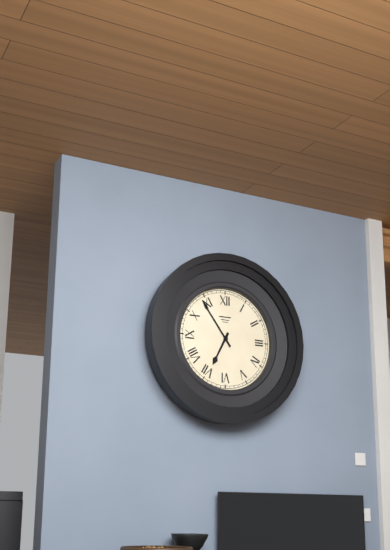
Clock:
6:54
